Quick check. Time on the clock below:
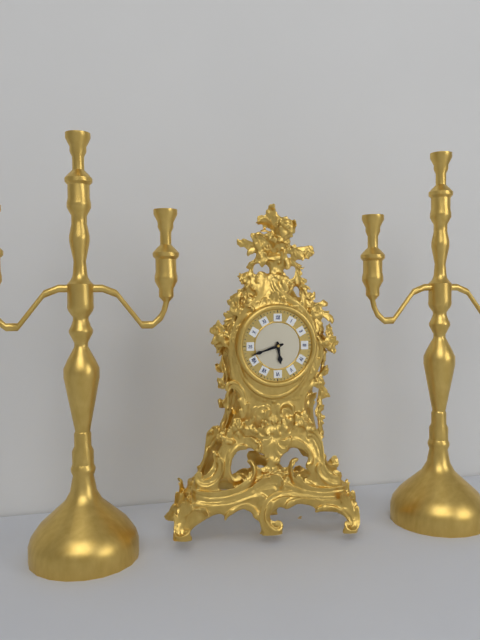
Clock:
5:42
